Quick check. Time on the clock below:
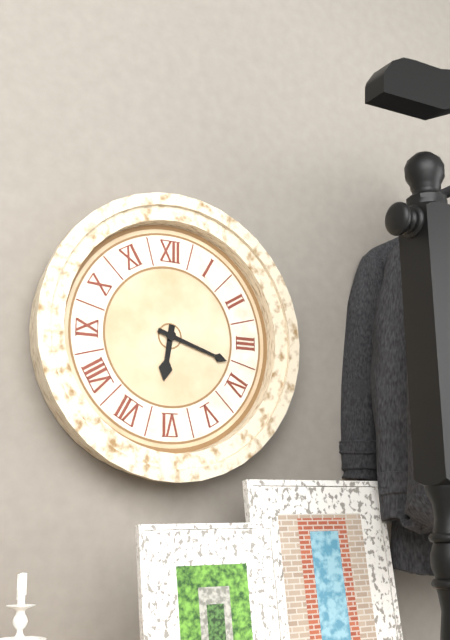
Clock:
6:18
